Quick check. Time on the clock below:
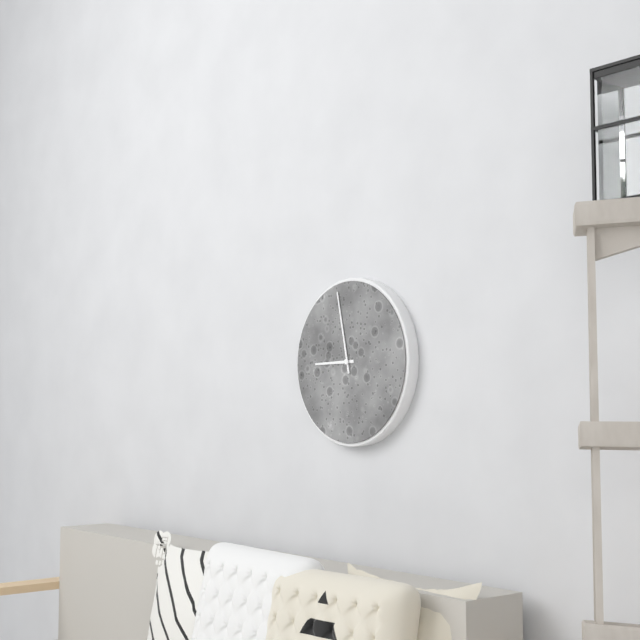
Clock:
8:58
